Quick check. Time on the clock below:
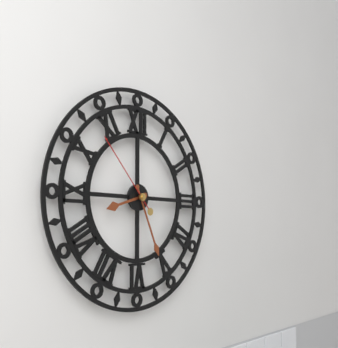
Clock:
8:26:53
